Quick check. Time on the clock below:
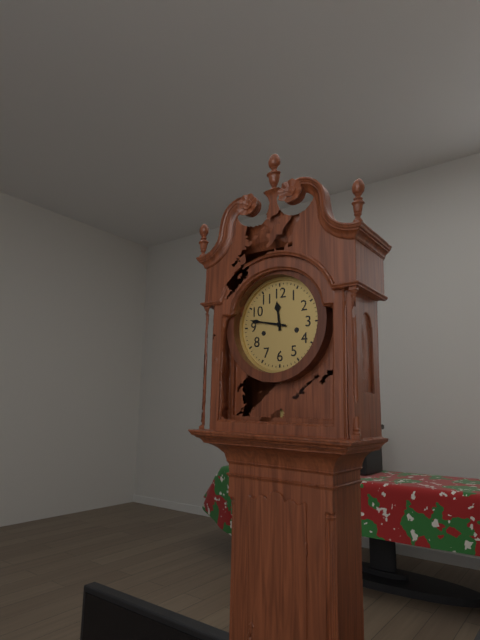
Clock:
11:47
